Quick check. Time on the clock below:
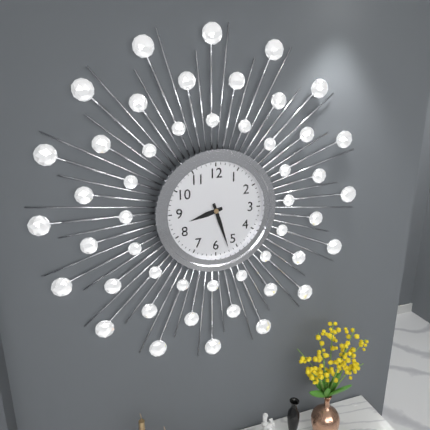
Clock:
8:27
